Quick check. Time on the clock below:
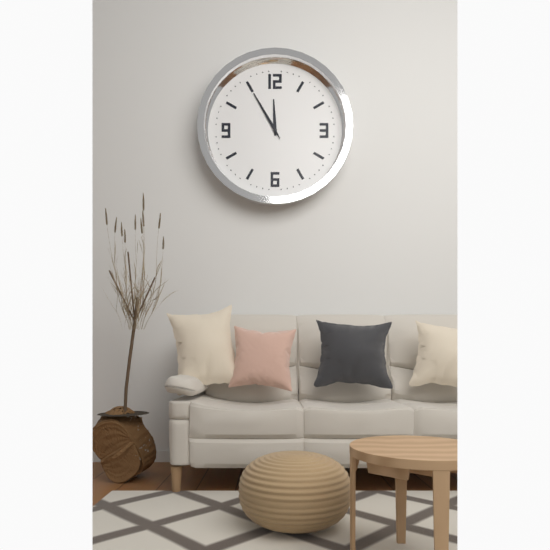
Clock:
11:55:55
